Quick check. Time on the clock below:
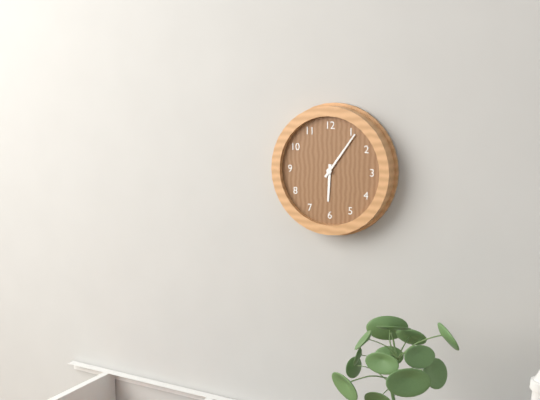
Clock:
6:06
